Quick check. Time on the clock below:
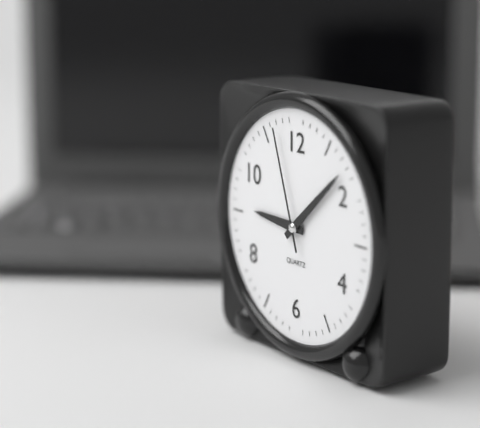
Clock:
9:08:57
